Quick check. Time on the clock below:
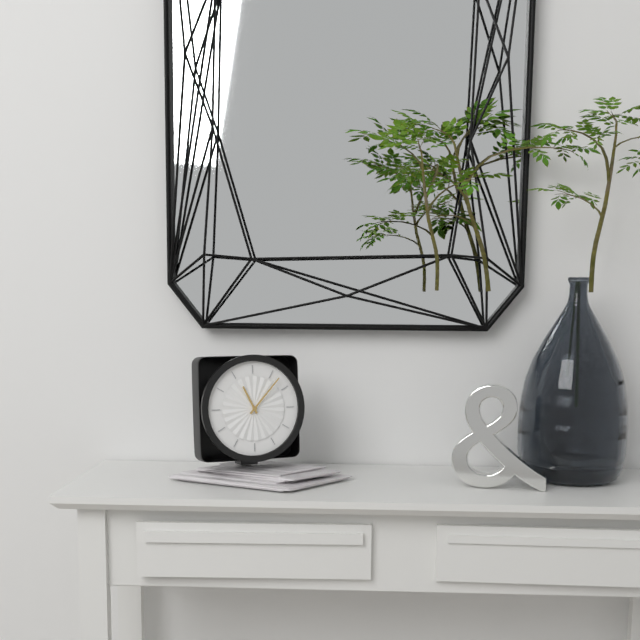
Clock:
11:07
